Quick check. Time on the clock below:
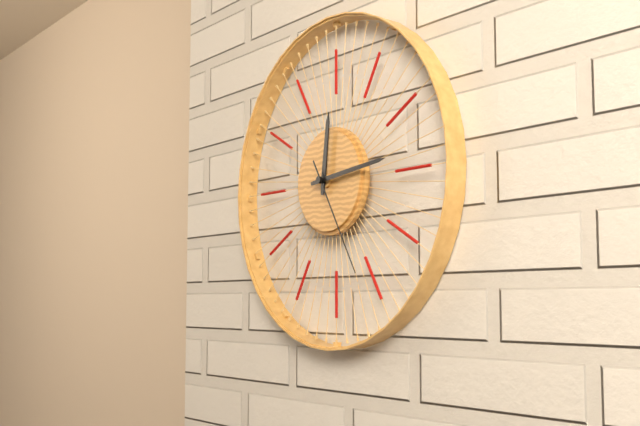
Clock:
12:14:25
